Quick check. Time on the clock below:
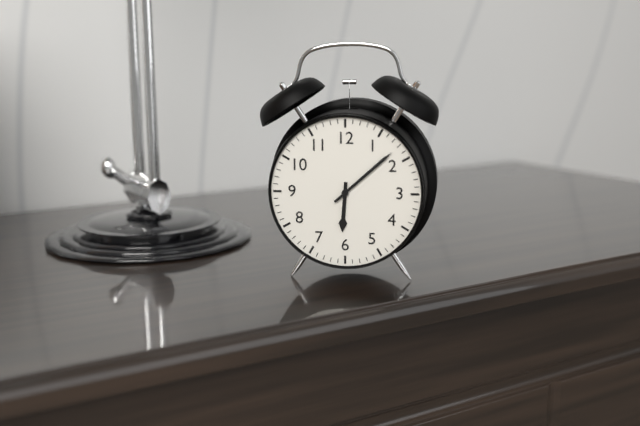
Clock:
6:08
